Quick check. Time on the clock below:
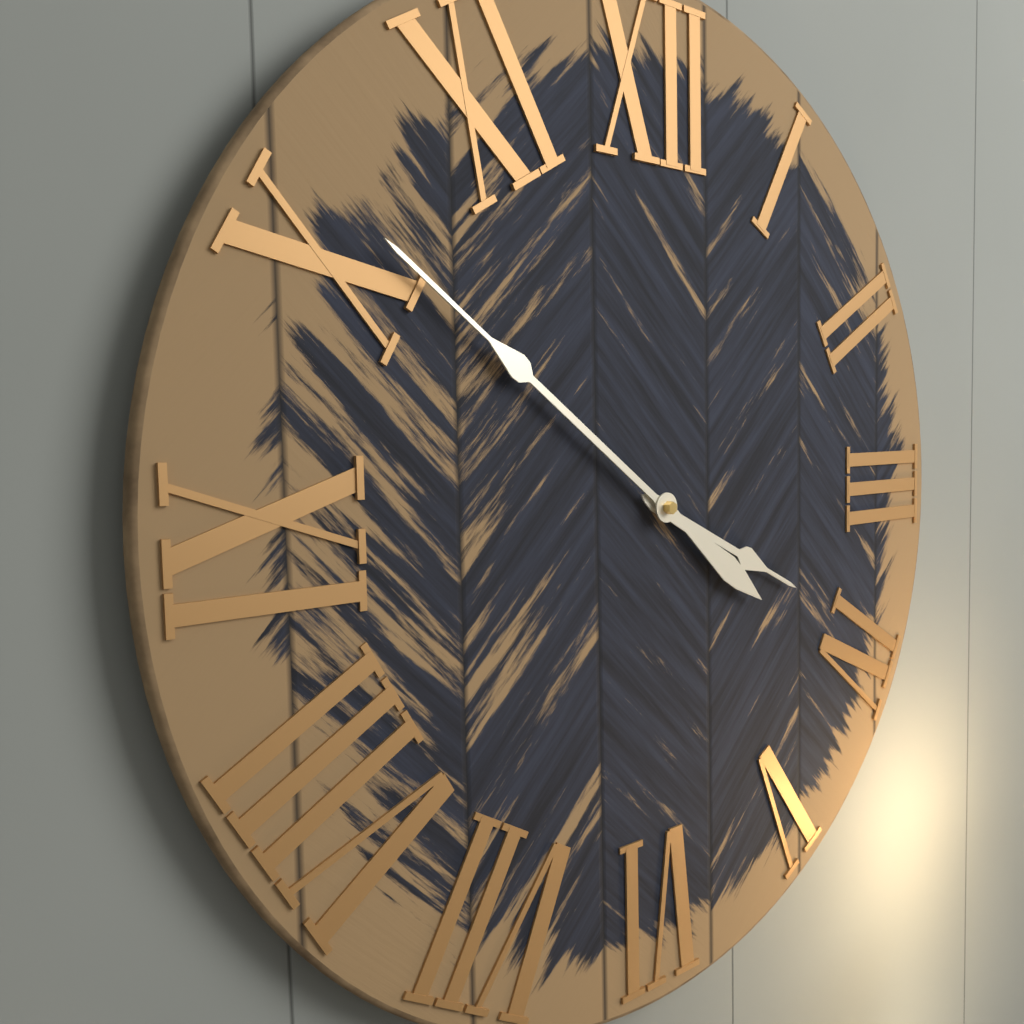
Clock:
3:51
